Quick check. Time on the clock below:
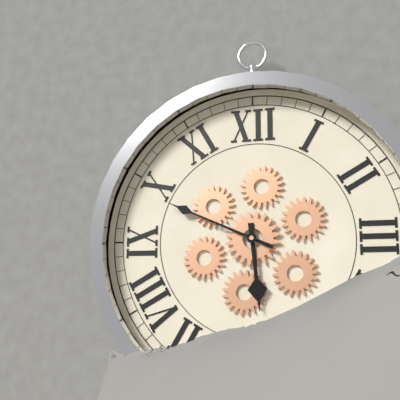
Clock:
5:49
